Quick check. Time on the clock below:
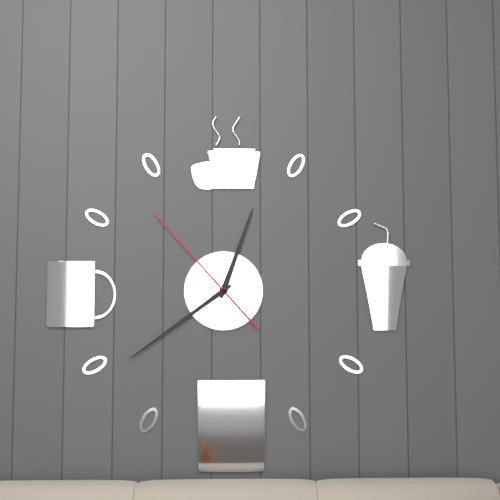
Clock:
12:39:53
